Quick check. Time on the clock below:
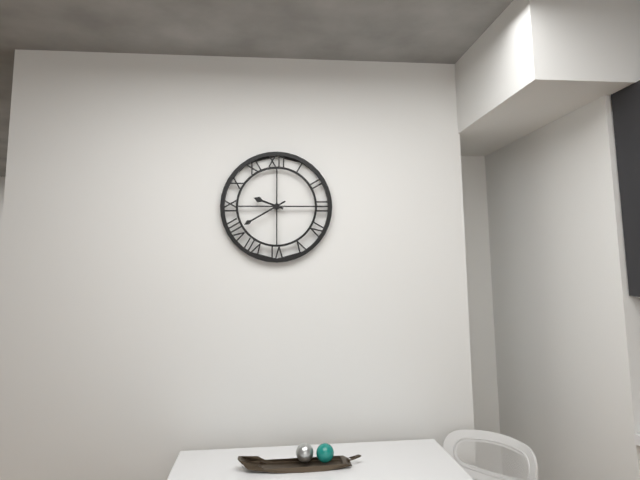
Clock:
9:40
